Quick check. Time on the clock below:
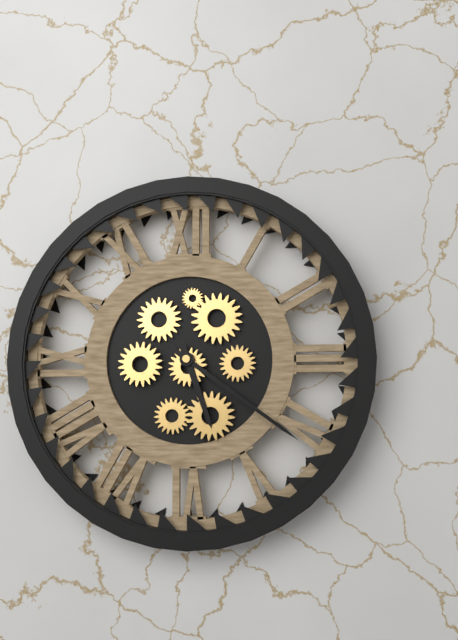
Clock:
5:21
